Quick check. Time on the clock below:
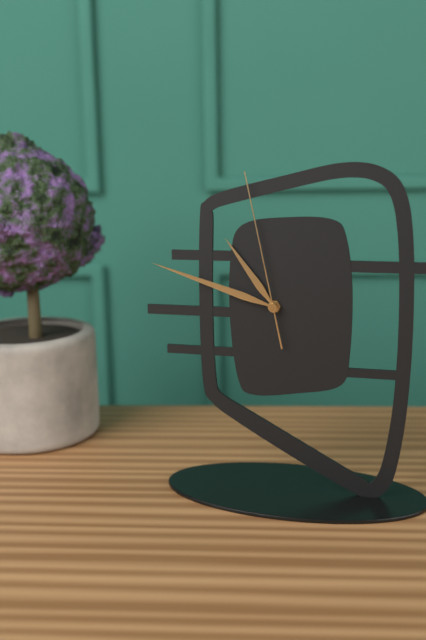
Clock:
10:48:58
